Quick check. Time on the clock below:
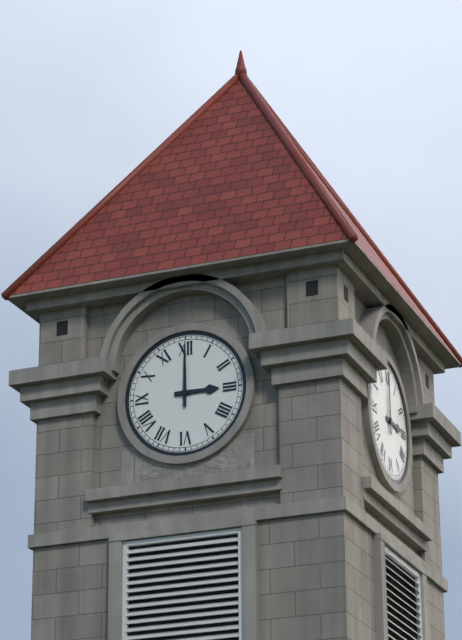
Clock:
3:00
